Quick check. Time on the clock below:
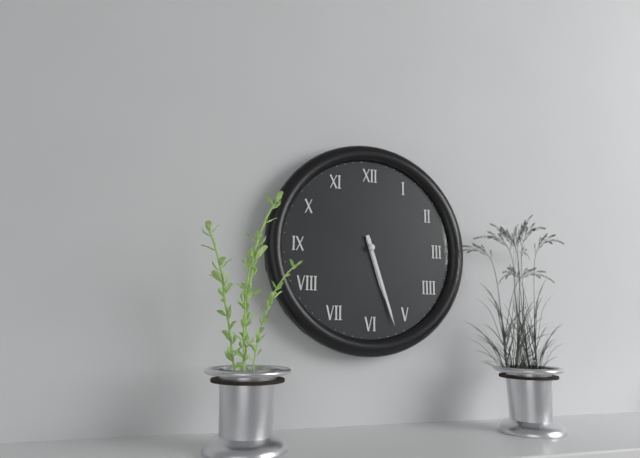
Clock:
5:27
